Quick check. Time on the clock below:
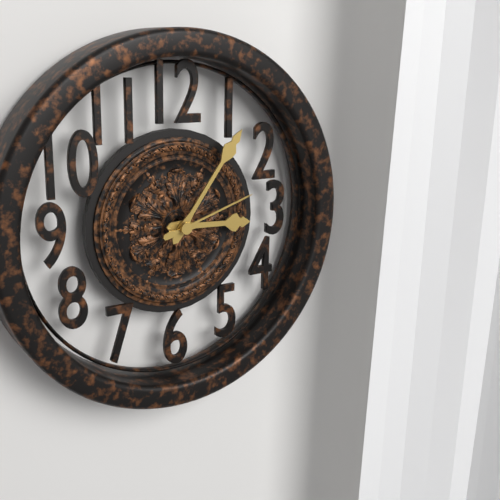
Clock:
3:06:12
